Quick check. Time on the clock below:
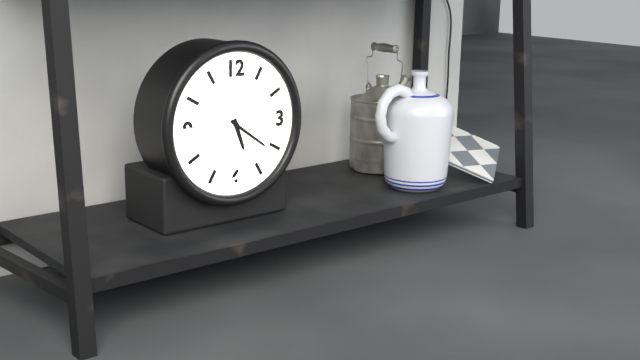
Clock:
5:21
